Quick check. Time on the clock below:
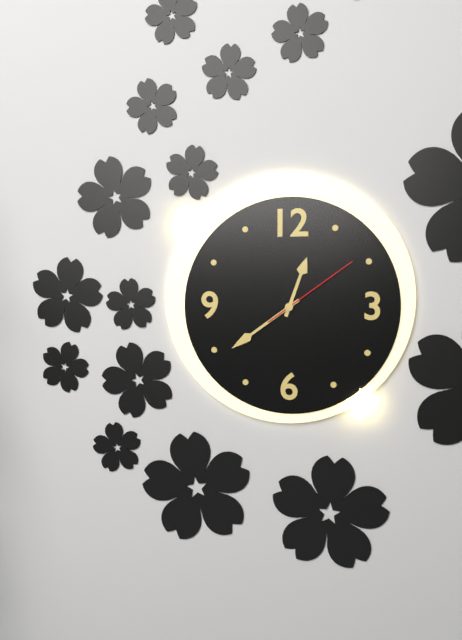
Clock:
12:39:09
